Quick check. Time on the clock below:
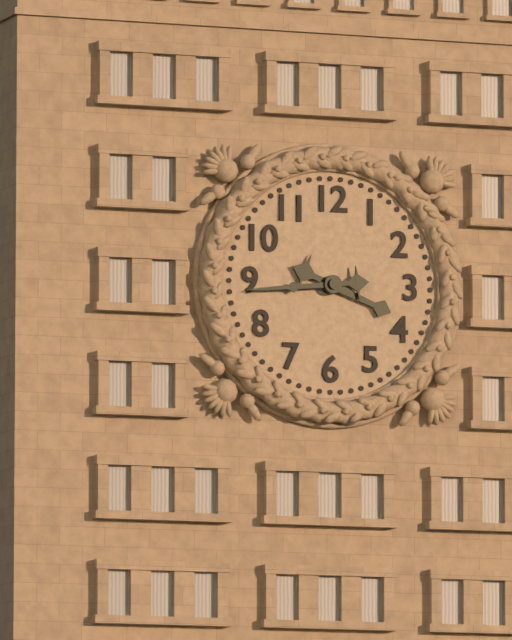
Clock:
3:44
